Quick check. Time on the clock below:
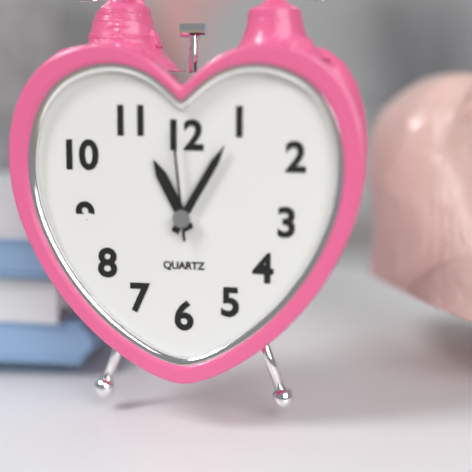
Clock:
11:05:59
